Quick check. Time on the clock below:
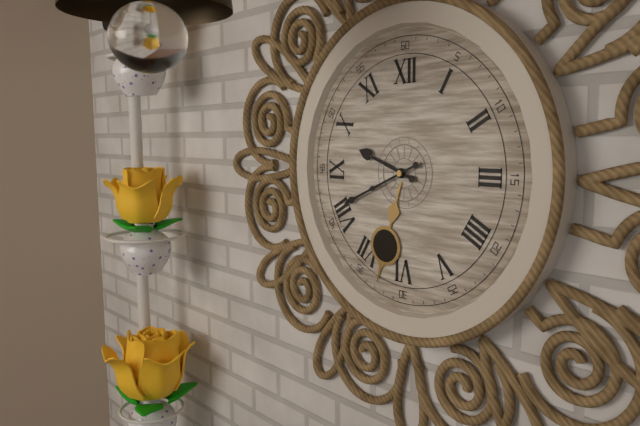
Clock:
9:41
